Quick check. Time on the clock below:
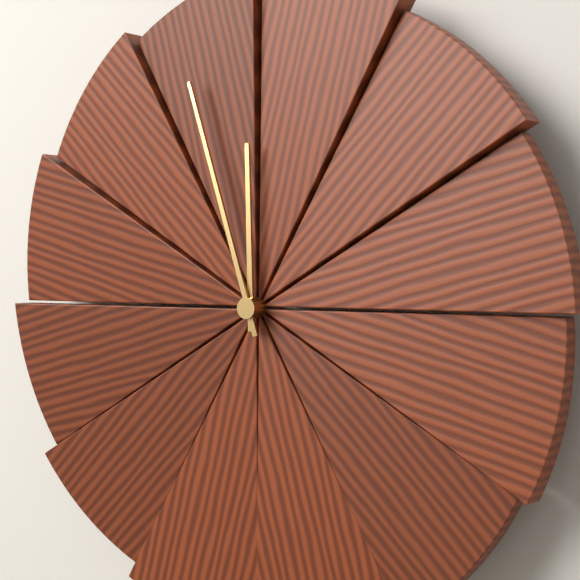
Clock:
11:57
